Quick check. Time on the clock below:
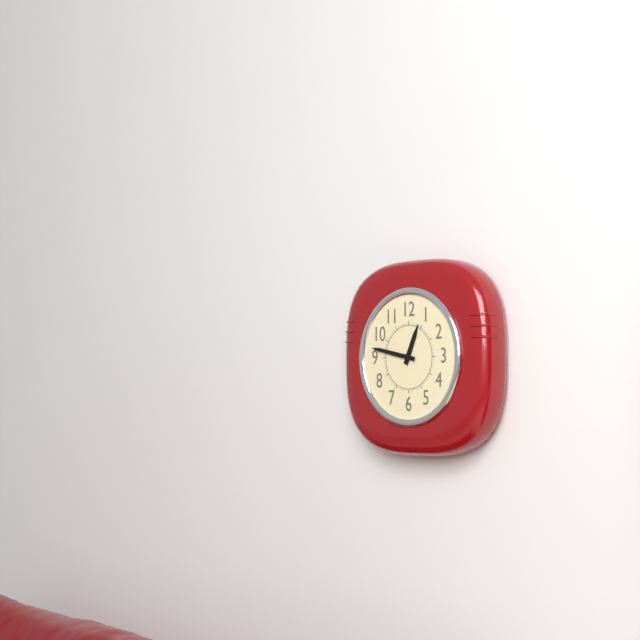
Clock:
12:47
